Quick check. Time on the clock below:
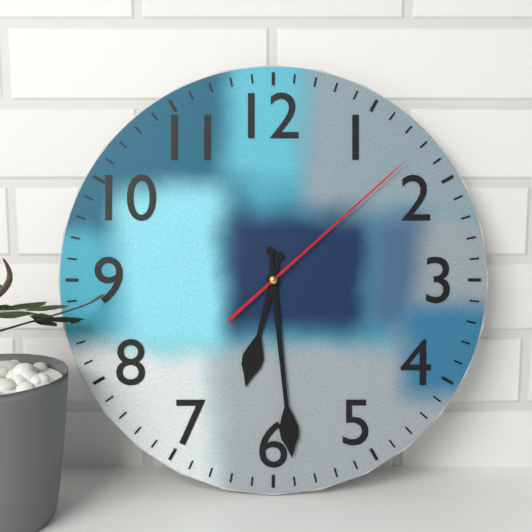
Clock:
6:29:08
